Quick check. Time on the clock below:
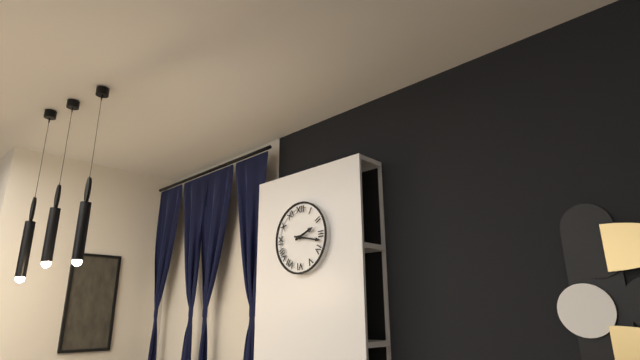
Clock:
2:17
